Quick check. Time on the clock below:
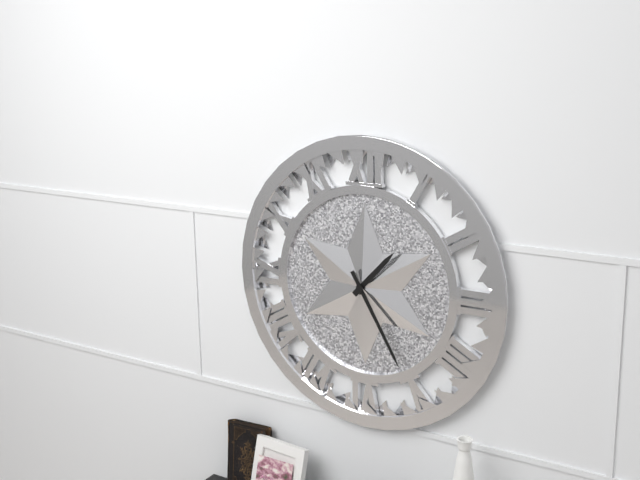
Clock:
1:25
